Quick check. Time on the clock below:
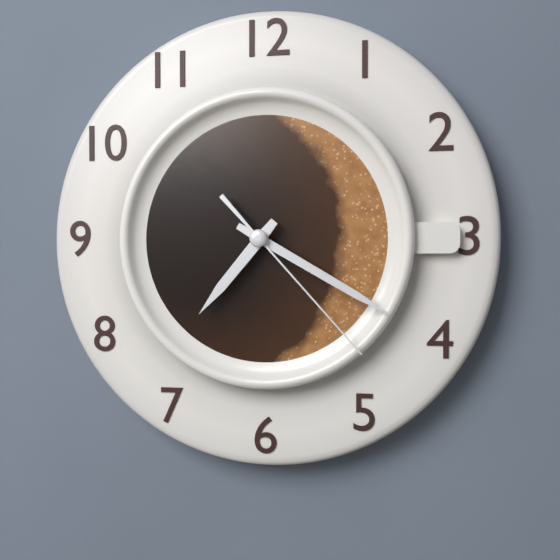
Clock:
7:20:23
